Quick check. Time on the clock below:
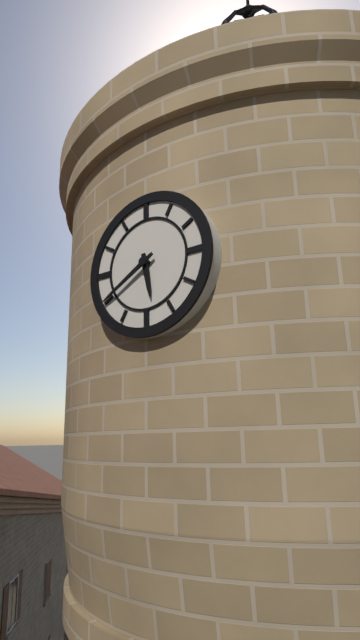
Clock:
5:40
